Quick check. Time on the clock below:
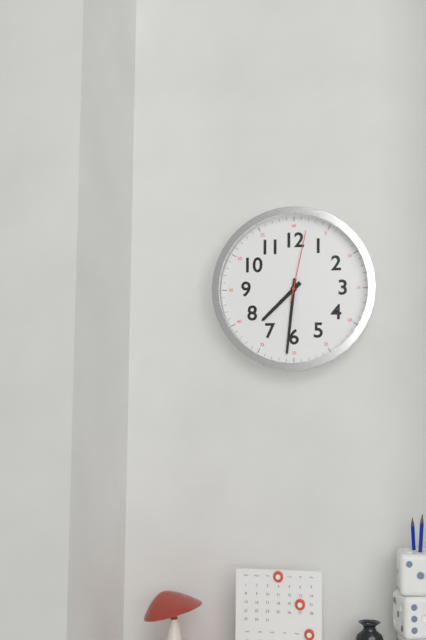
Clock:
7:31:02
